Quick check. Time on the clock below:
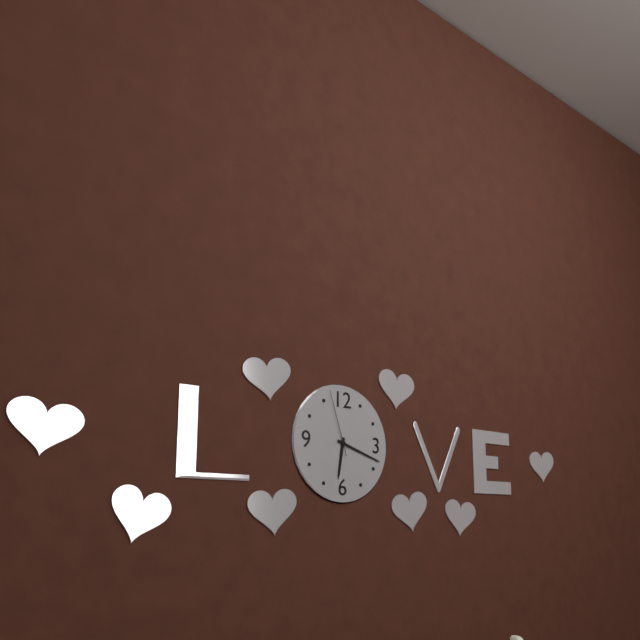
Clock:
6:18:57
